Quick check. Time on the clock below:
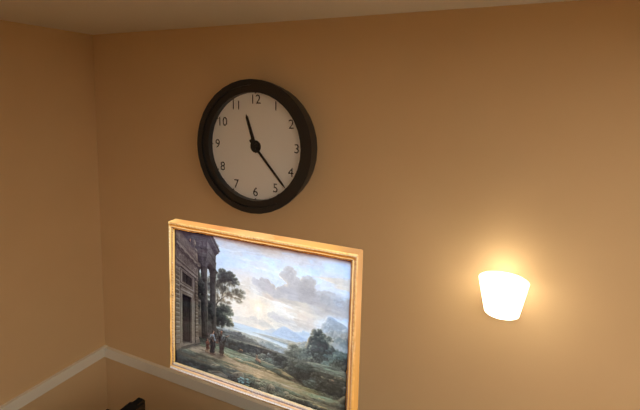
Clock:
11:23
